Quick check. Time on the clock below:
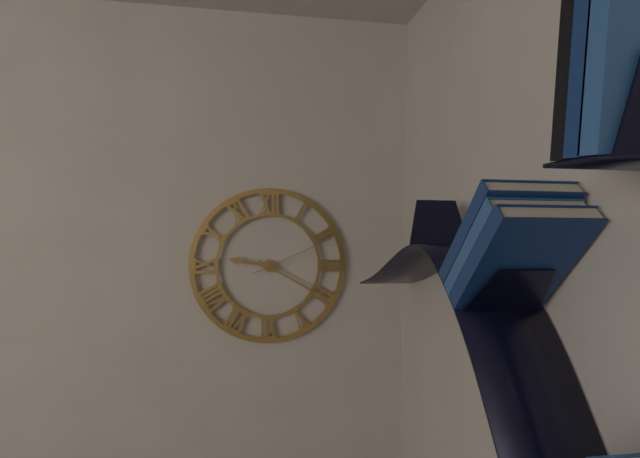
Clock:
9:20:11
